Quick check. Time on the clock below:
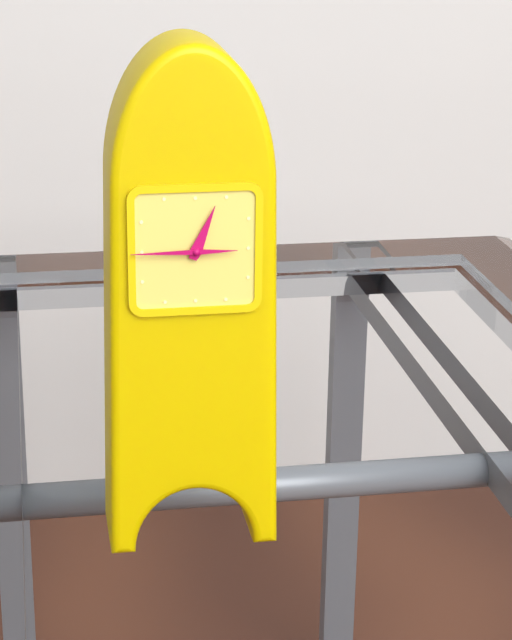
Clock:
12:45
